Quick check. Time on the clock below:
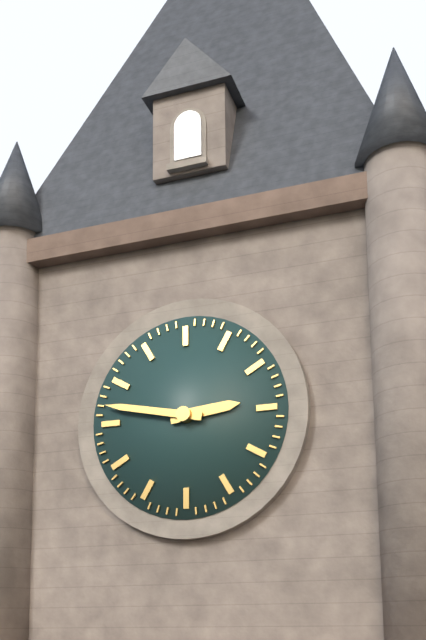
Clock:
2:47
